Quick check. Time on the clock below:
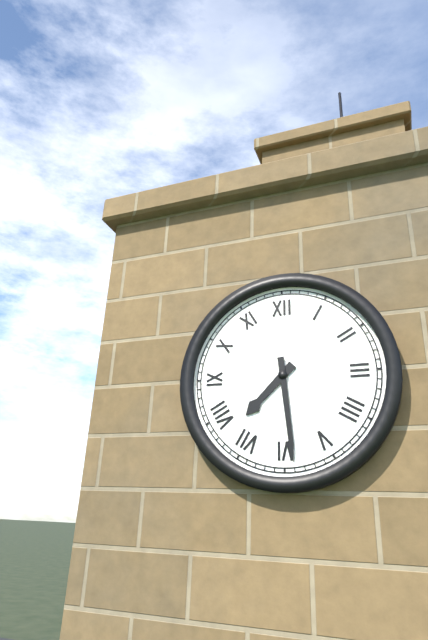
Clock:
7:29
